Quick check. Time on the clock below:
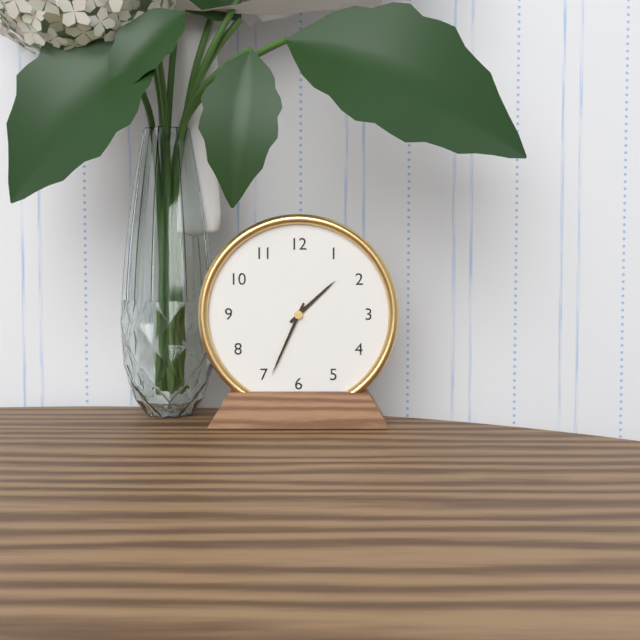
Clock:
1:34
